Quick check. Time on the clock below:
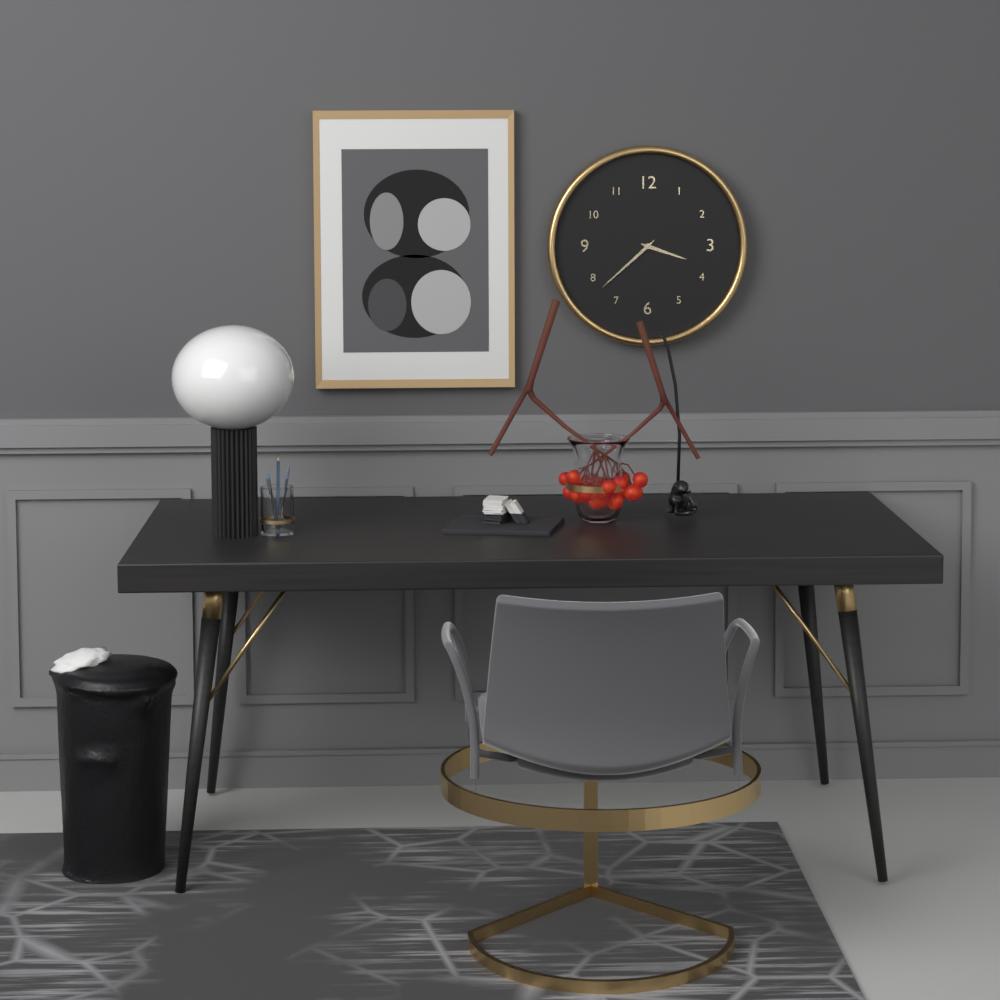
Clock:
3:38
